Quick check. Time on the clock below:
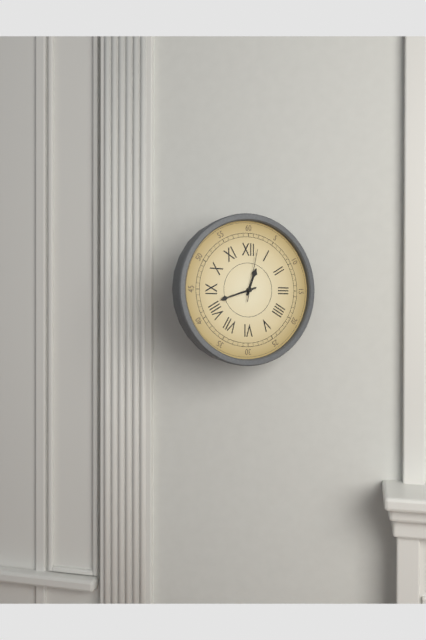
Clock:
12:42:02
